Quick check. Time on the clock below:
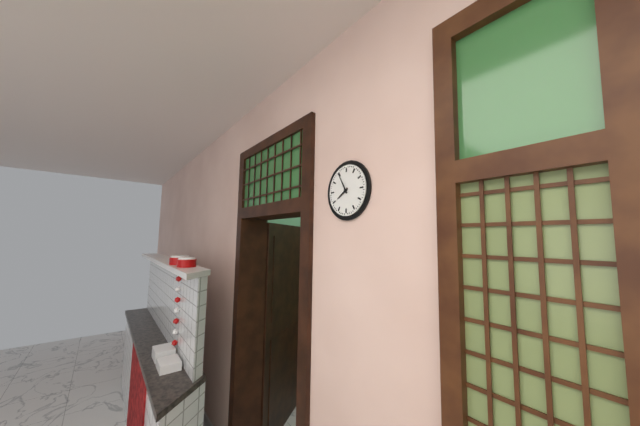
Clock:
7:55
